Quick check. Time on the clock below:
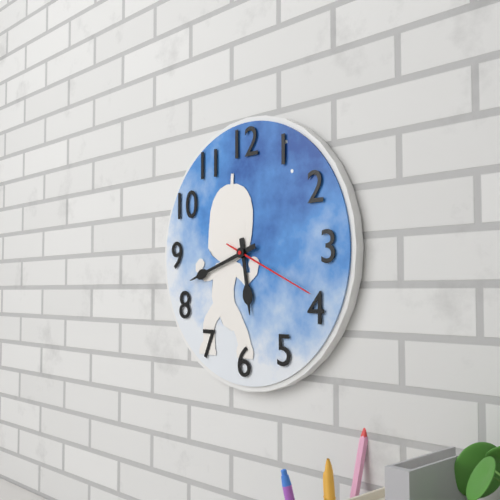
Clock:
5:42:19
